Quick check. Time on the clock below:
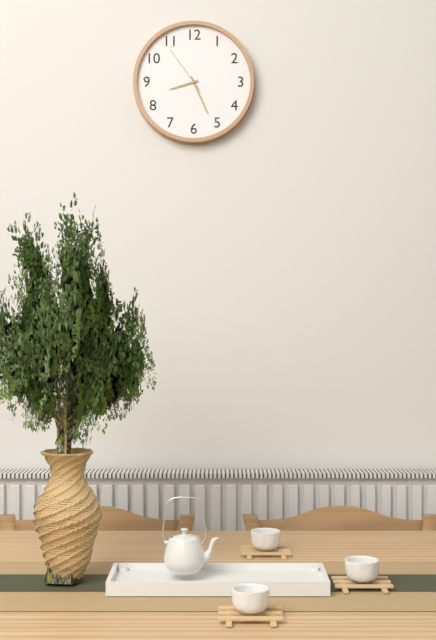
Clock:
8:26:54
